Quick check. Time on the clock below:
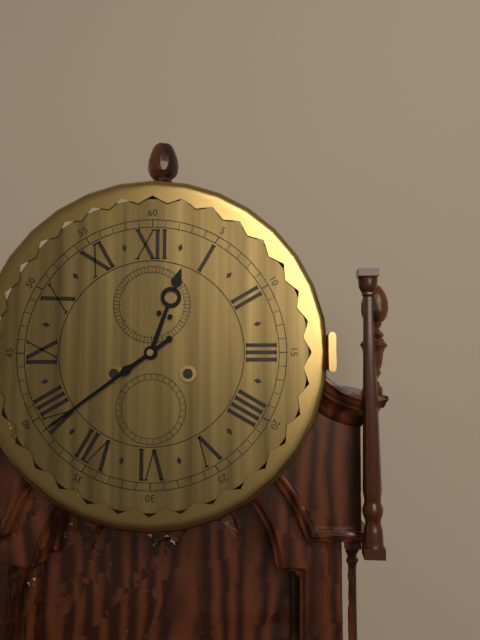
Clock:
12:39
